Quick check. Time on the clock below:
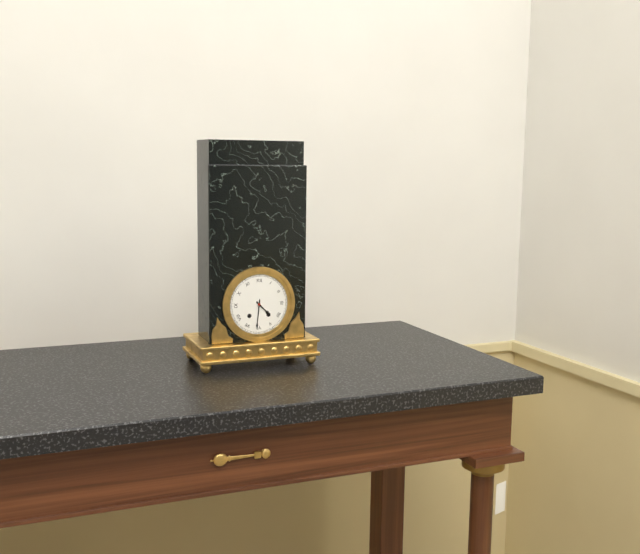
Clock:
4:31
